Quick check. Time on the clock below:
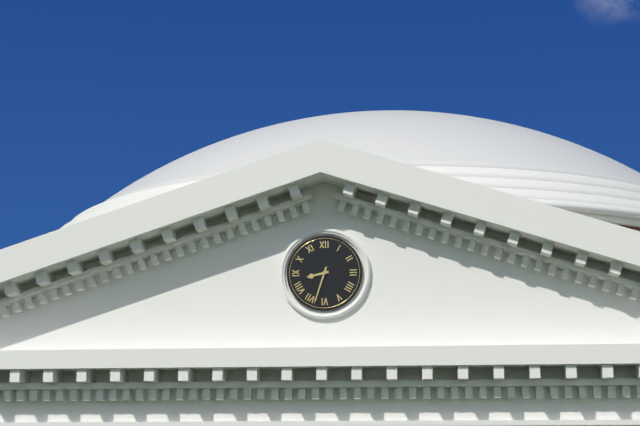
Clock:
8:33
